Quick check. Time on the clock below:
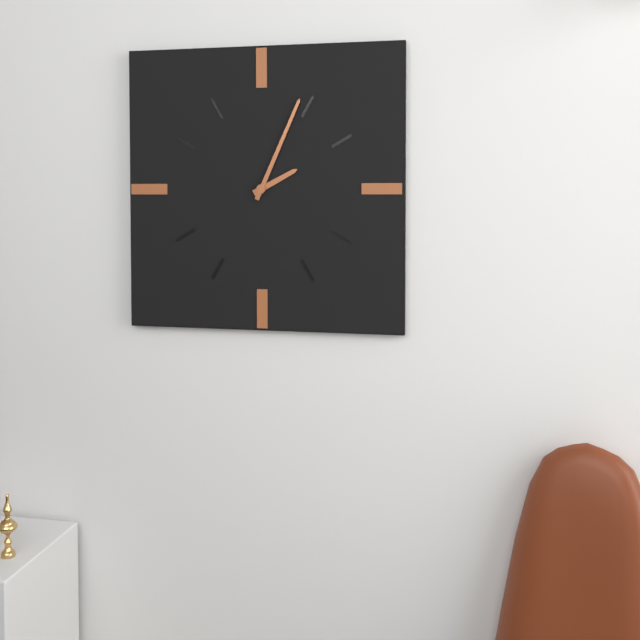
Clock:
2:04
